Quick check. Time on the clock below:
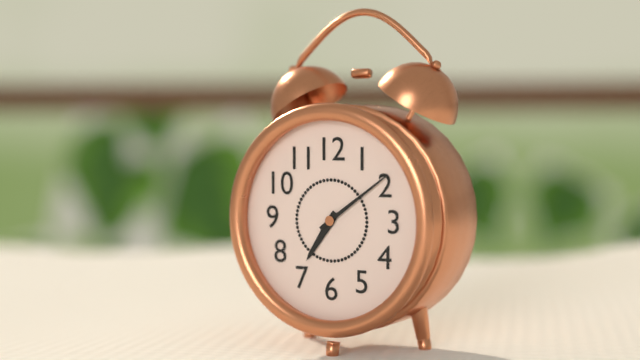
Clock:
7:09
